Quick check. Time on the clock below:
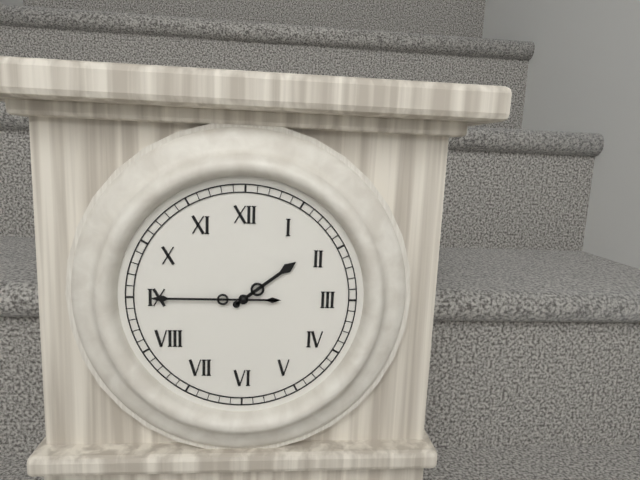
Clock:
1:45
